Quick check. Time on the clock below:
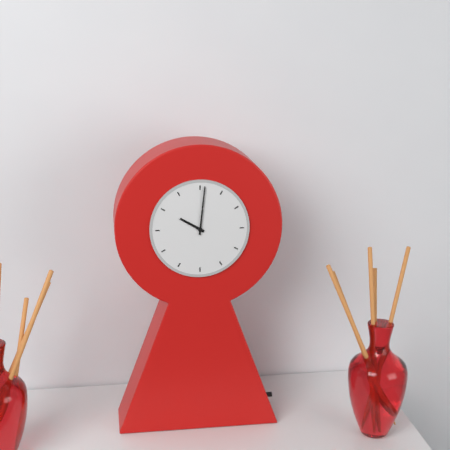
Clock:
10:01
